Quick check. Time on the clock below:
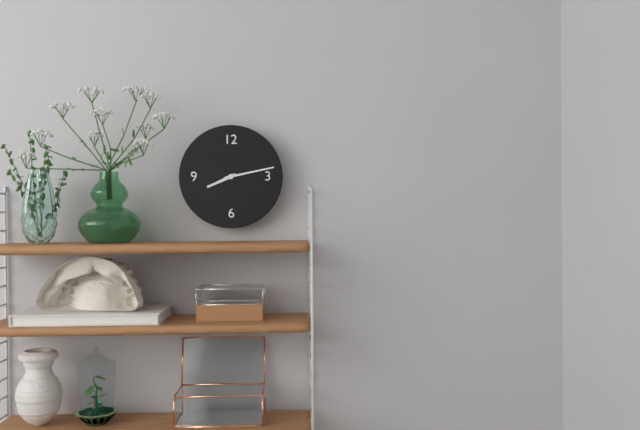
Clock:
8:13
